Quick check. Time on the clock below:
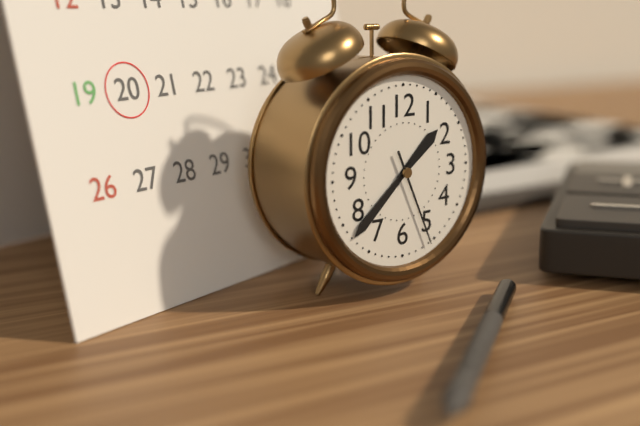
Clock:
1:38:26
